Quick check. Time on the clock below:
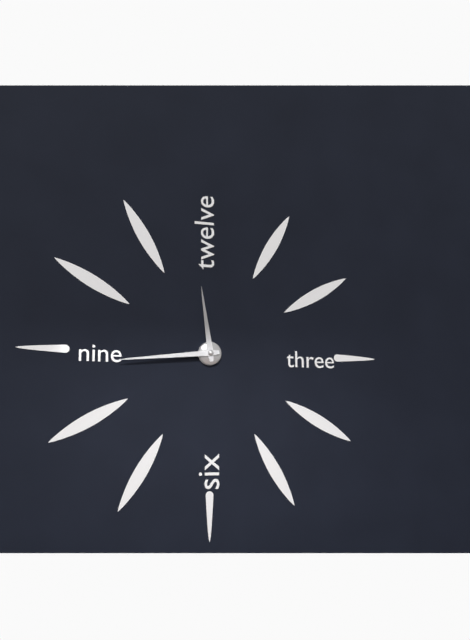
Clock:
11:44
